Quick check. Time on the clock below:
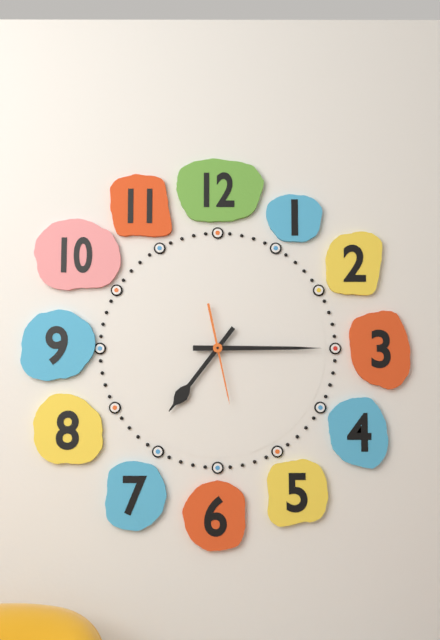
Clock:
7:15:28
